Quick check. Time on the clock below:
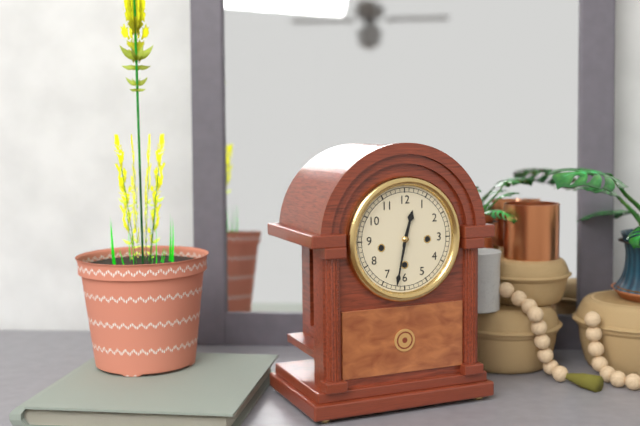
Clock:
12:32
